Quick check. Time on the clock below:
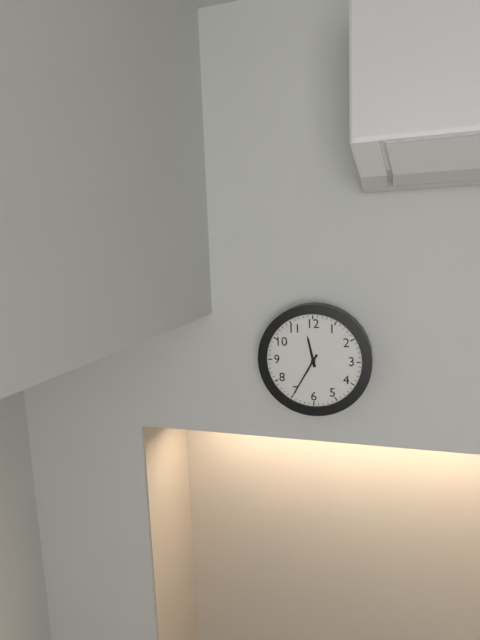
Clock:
11:35
